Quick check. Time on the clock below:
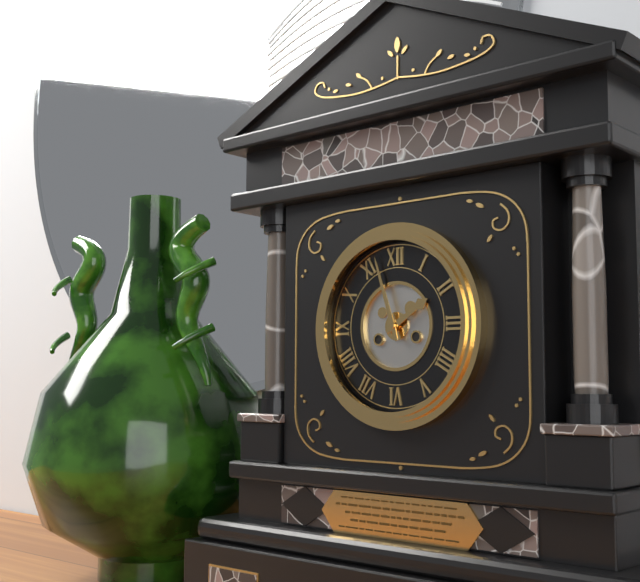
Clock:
1:57
